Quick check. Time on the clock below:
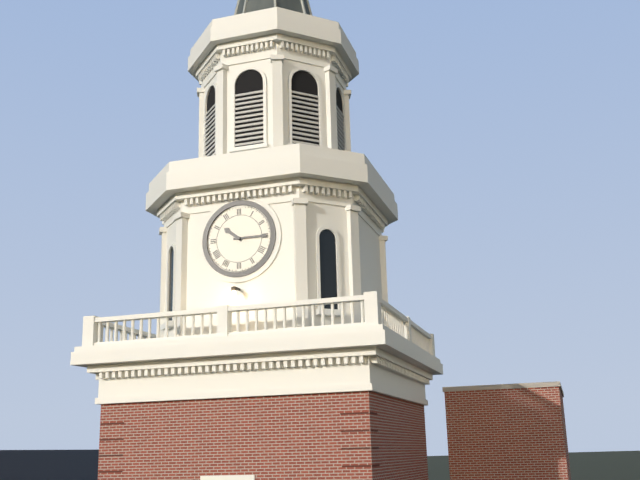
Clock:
10:15
